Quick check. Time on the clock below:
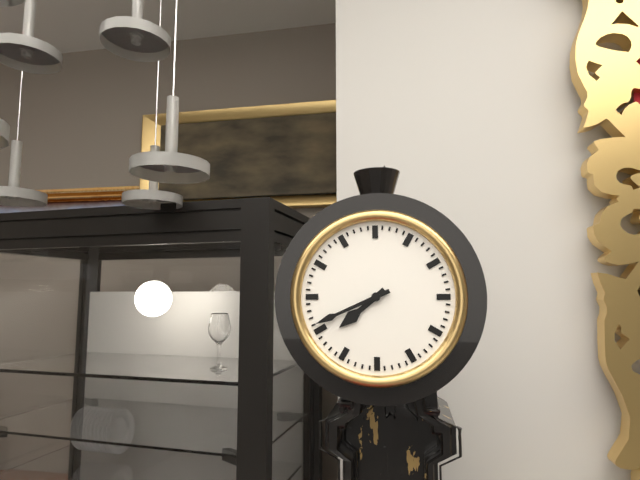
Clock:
7:41
